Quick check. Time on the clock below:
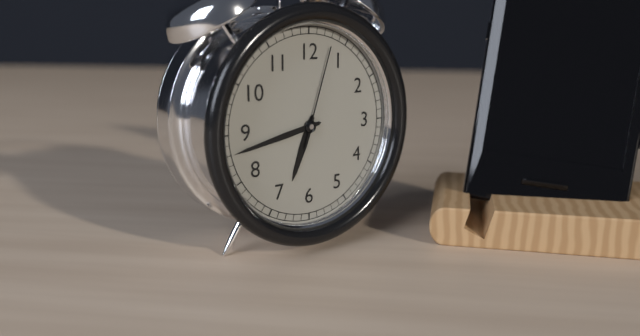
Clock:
6:43:03
